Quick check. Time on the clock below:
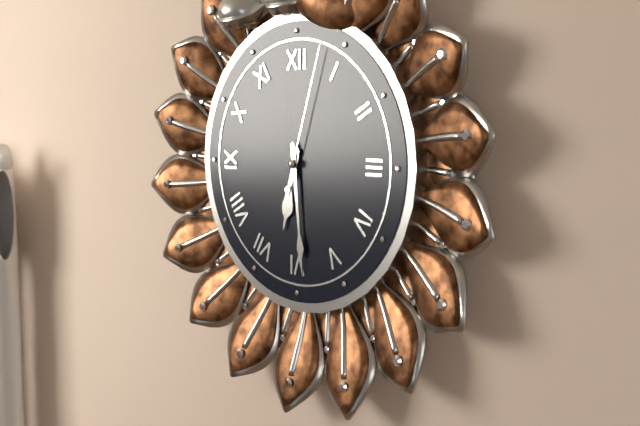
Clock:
6:29:03
